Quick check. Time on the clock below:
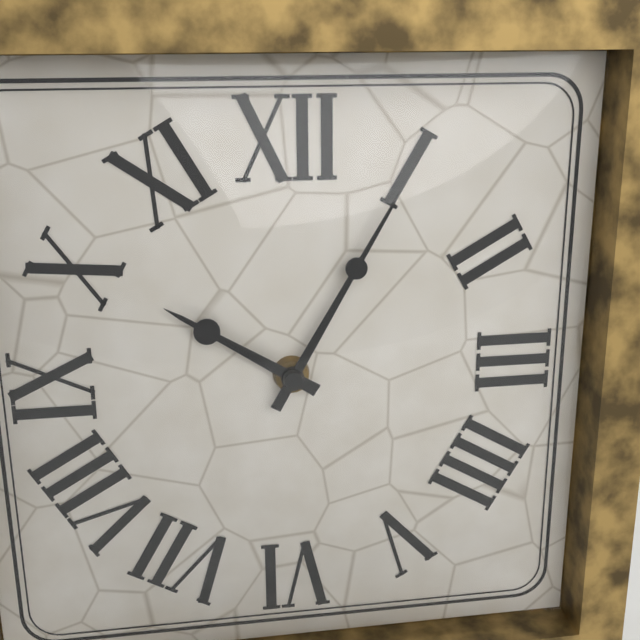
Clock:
10:05
